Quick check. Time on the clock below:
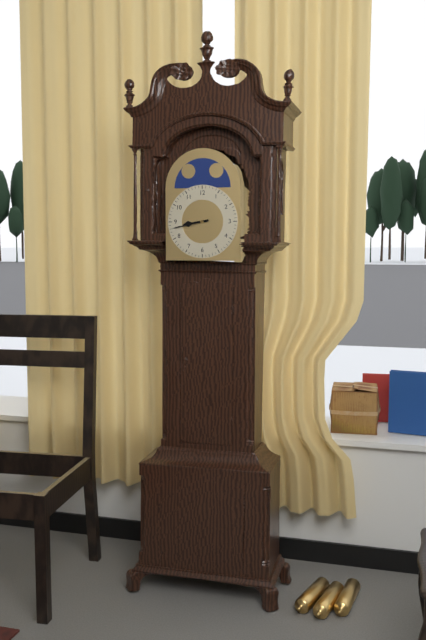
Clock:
8:43
